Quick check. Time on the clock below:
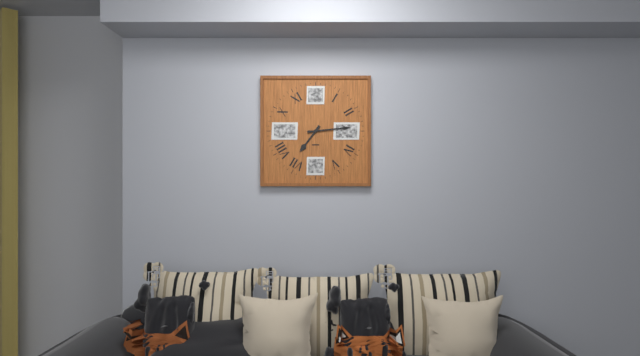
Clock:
7:14
